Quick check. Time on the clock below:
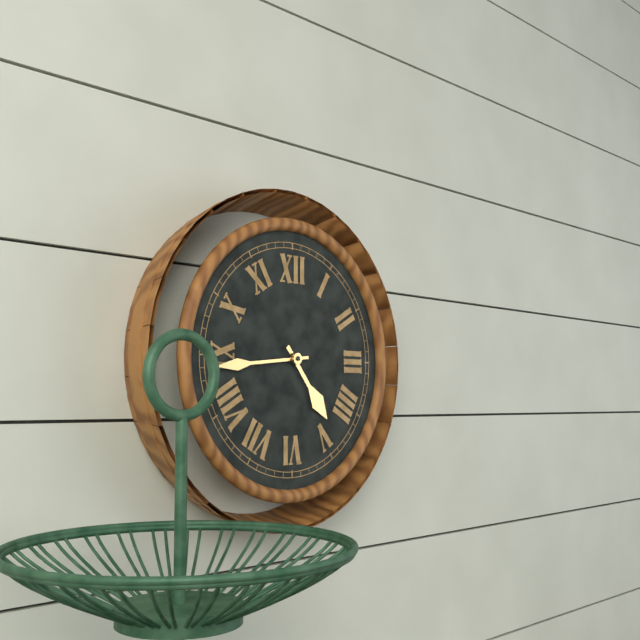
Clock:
4:44
